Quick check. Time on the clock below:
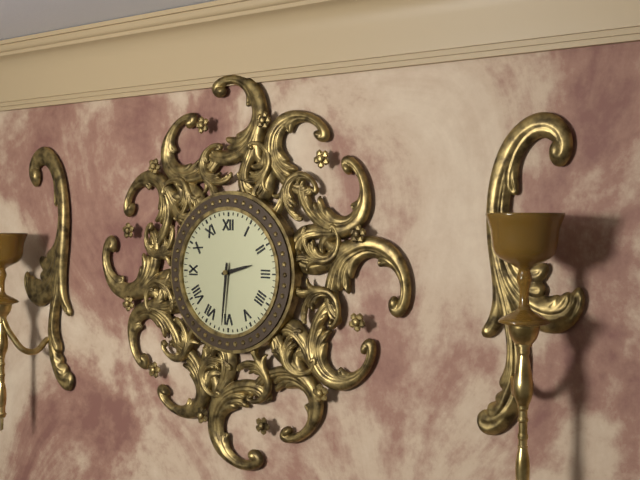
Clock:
2:31
